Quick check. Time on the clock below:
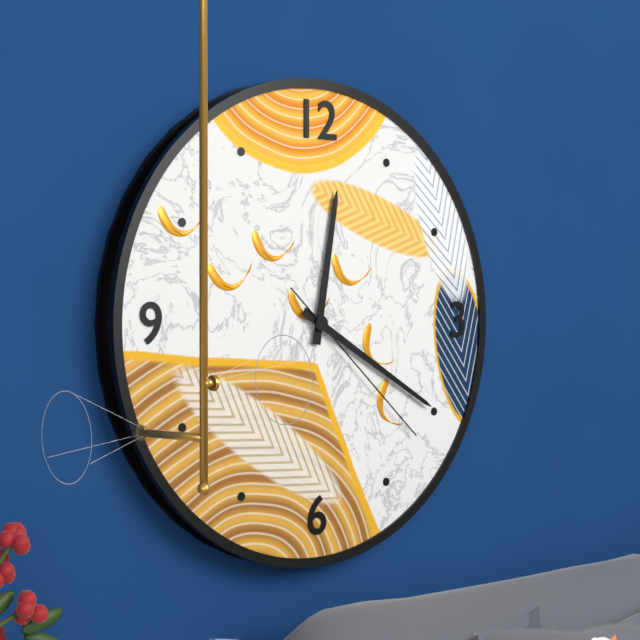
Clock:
12:20:22
